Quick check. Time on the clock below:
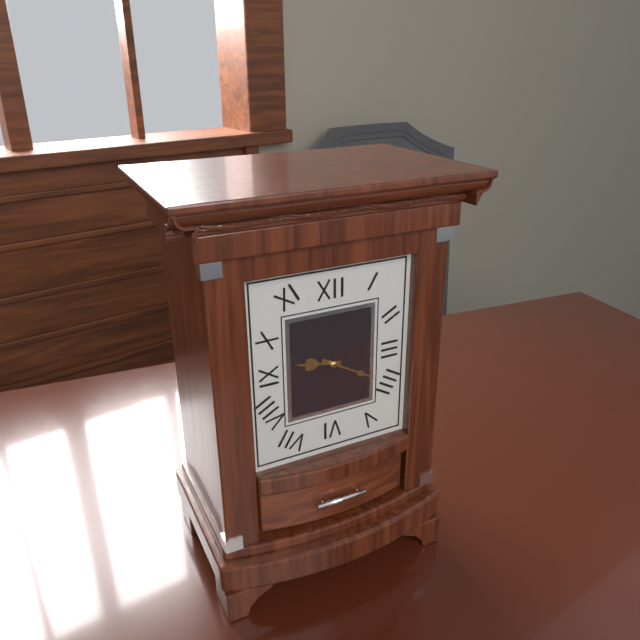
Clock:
9:20
